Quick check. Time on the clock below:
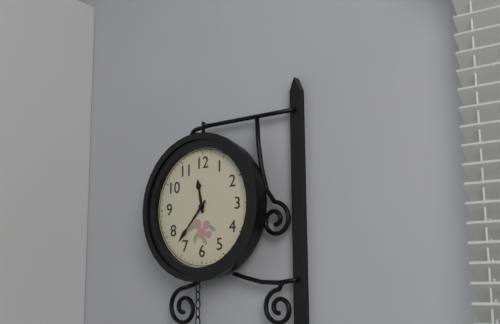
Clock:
11:37
